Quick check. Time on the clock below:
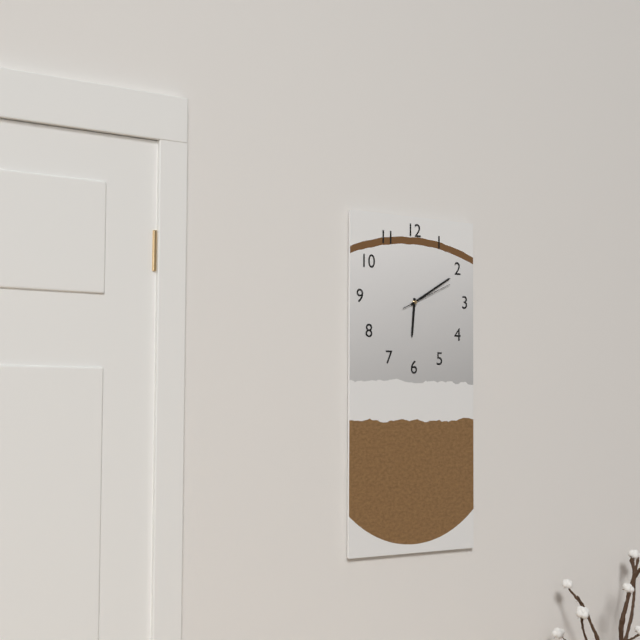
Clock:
6:10:11
